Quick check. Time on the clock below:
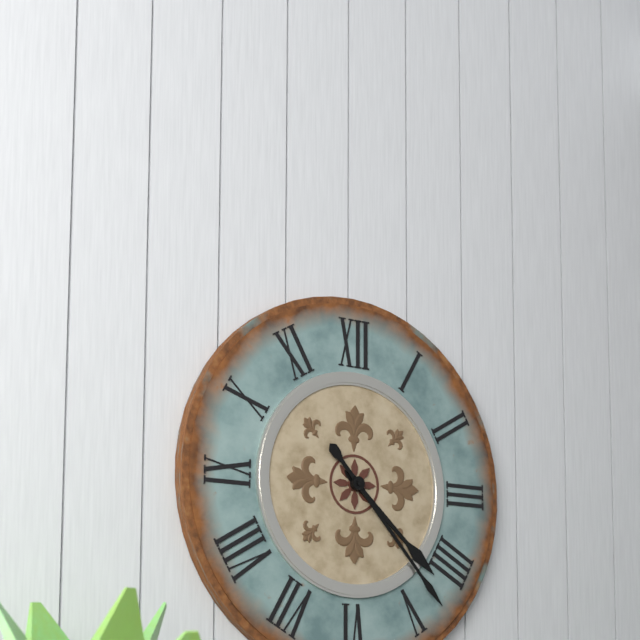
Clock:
4:23
